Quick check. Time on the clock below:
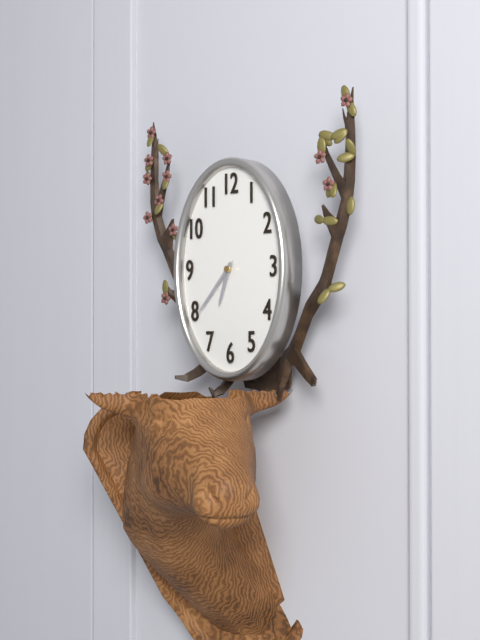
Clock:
6:37
